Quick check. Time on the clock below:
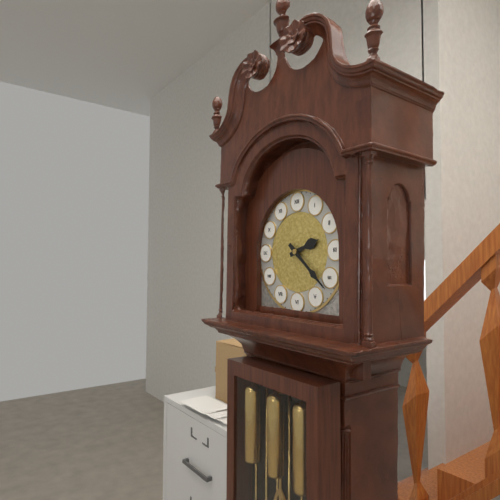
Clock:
2:22
